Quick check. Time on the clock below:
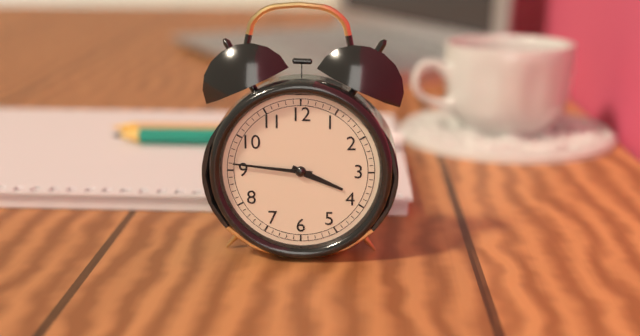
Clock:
3:46
